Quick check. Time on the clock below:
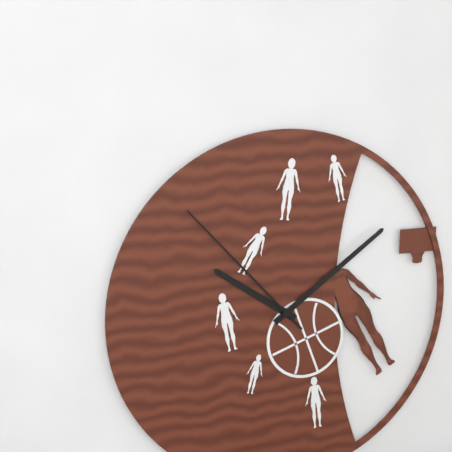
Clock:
10:09:53
